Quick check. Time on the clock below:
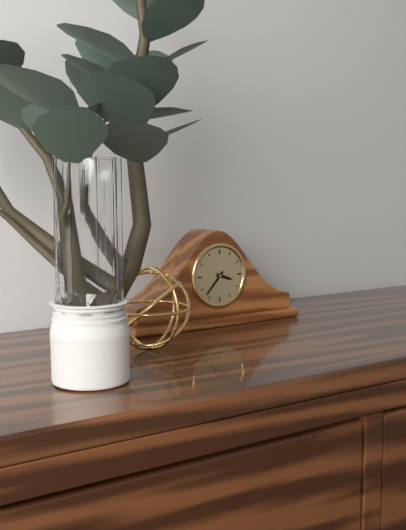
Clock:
3:37
